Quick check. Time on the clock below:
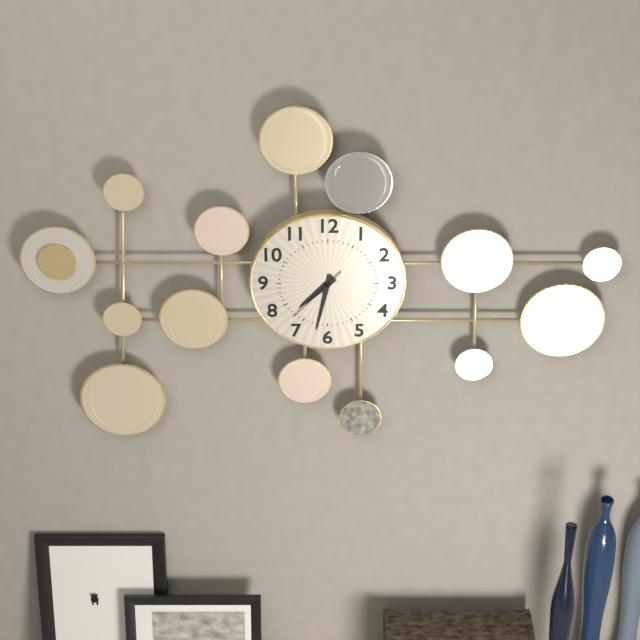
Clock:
7:32:37
